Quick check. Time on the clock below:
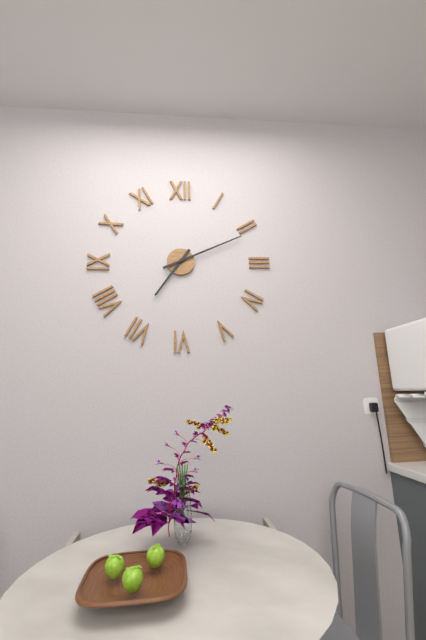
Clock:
7:11
